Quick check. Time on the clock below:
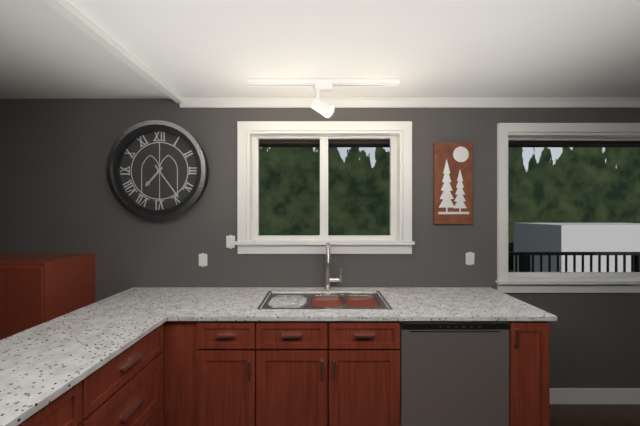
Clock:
7:24
